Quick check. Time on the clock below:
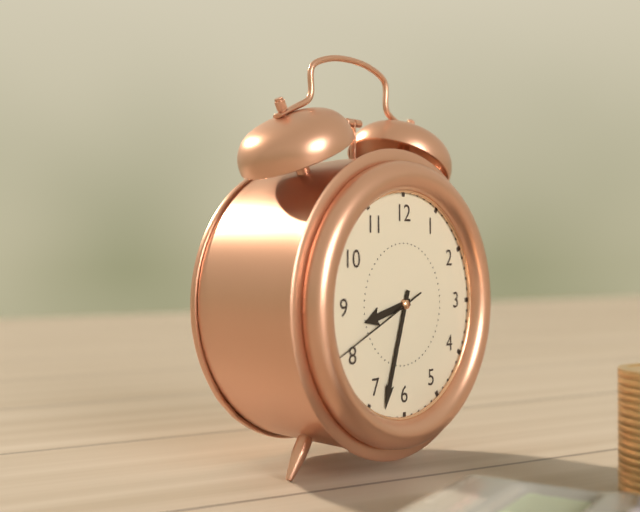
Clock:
8:33:41
